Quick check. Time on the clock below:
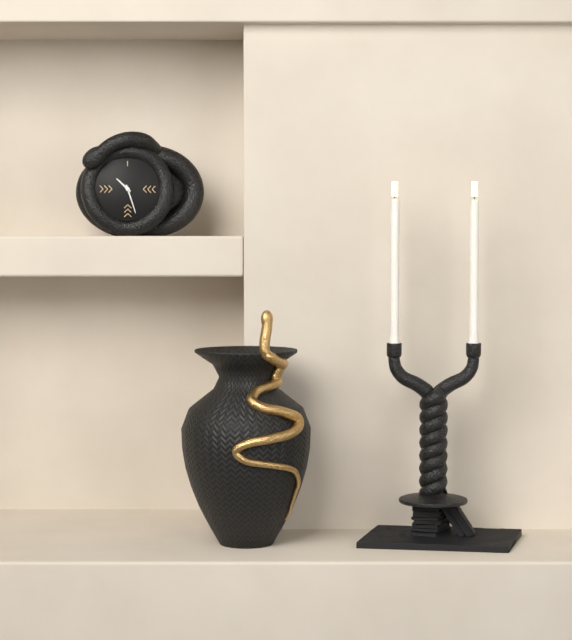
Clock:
10:27
